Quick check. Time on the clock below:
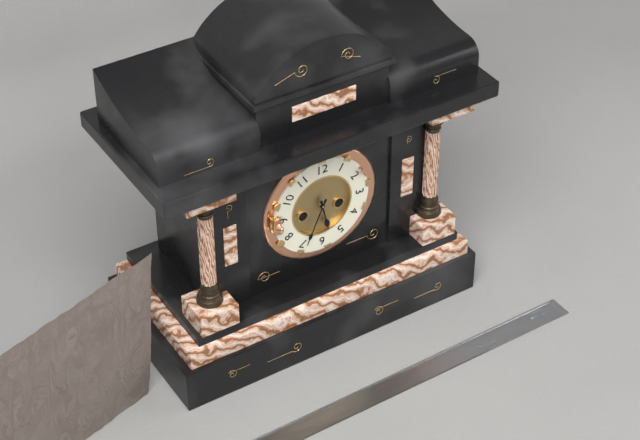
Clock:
5:34
